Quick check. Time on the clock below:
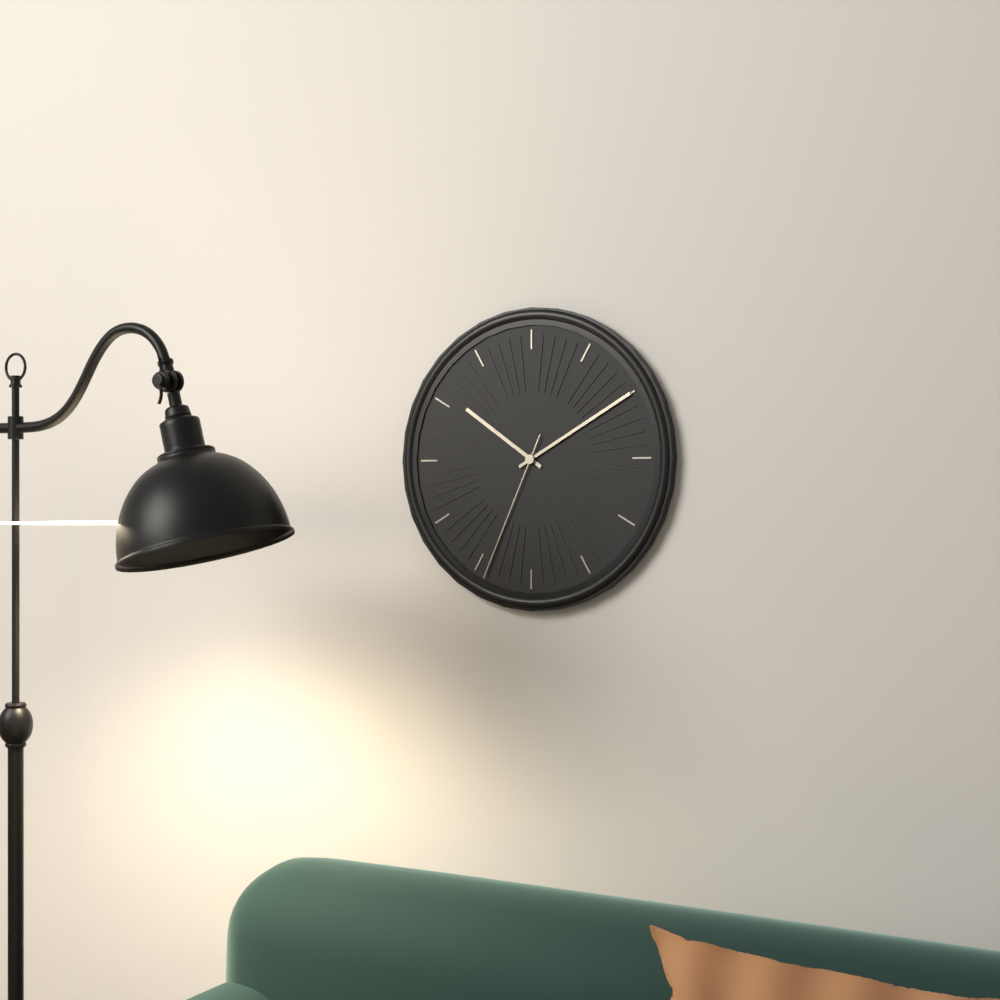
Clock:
10:10:34
